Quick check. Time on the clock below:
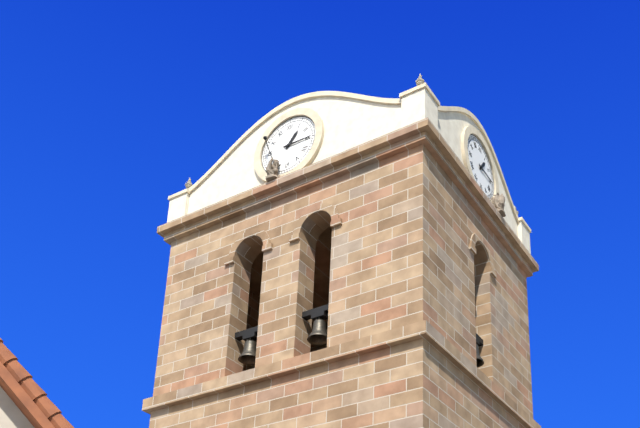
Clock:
1:15
